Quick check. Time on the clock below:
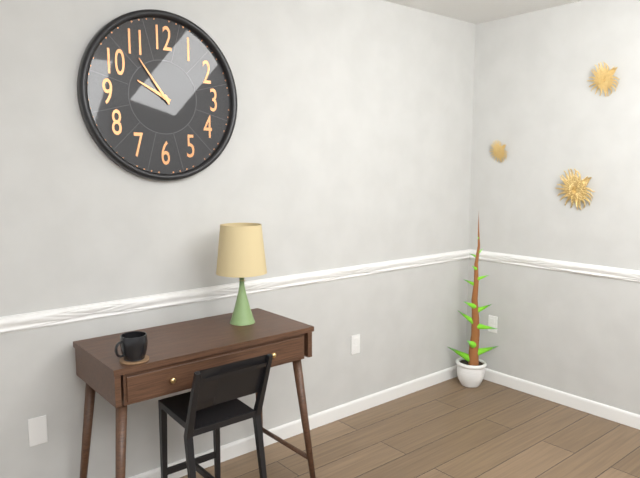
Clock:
9:54
